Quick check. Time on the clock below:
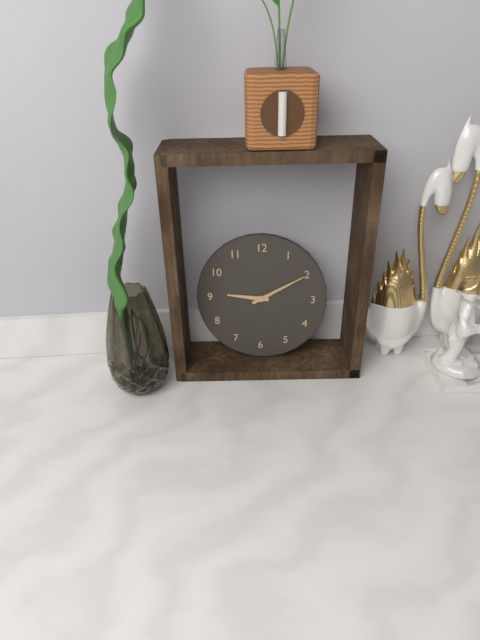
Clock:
9:10
